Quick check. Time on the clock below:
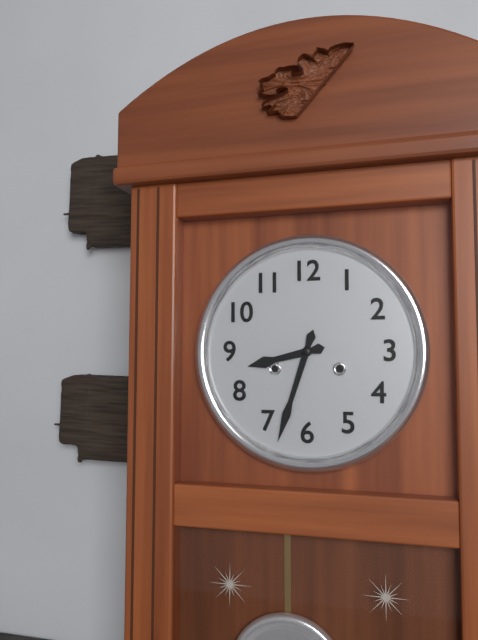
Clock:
8:33
